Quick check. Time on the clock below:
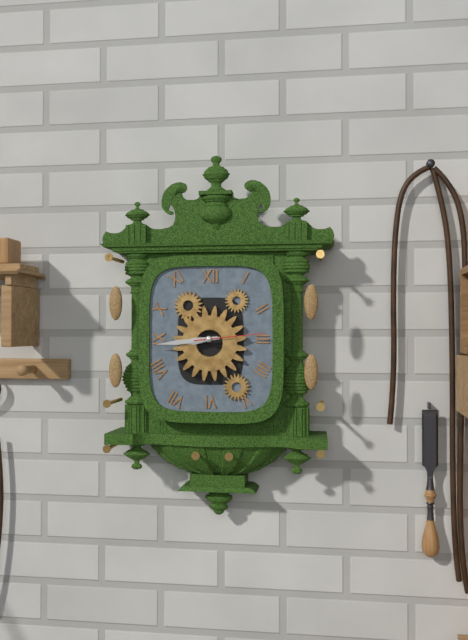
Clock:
8:44:14
